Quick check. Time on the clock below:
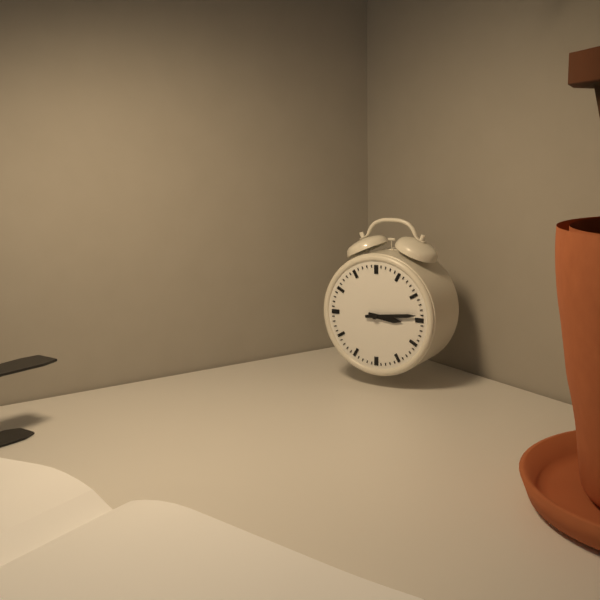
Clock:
3:14
